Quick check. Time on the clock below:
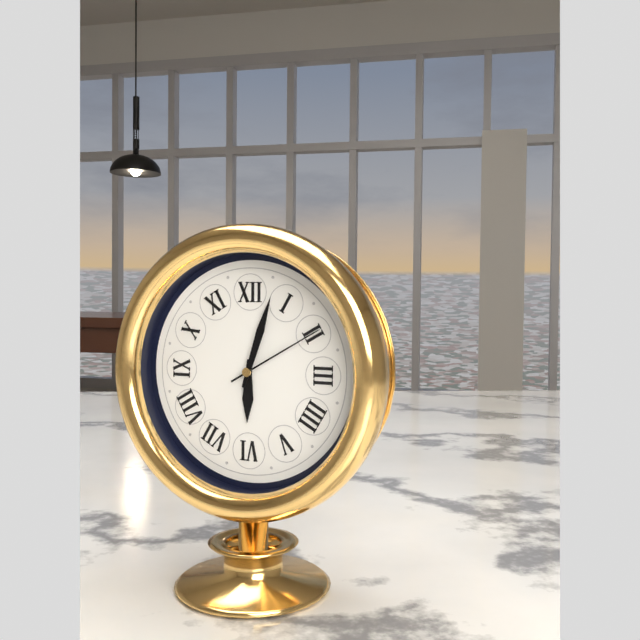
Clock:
6:03:10
